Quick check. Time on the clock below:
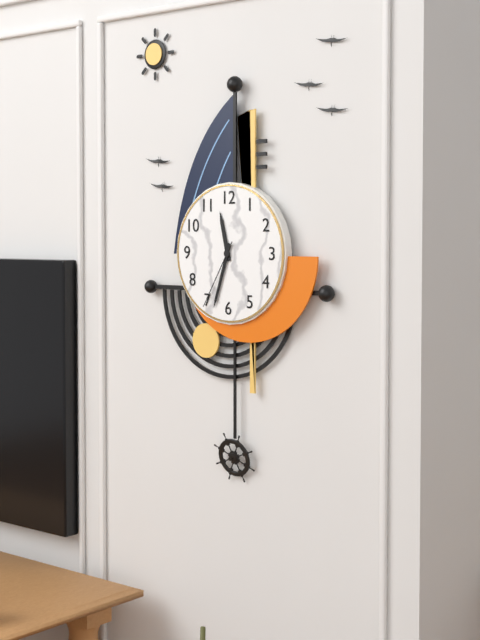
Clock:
11:33:35
